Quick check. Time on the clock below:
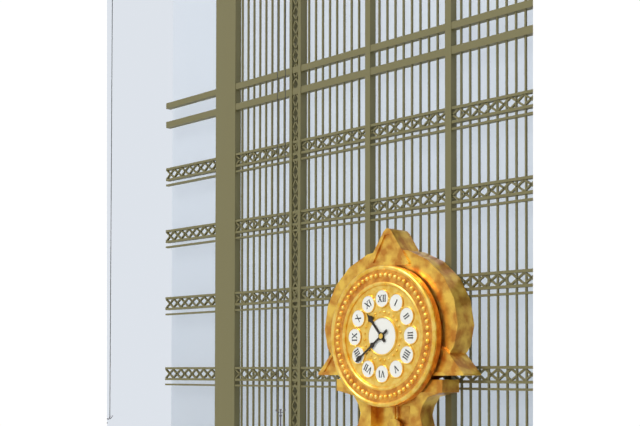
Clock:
10:39
